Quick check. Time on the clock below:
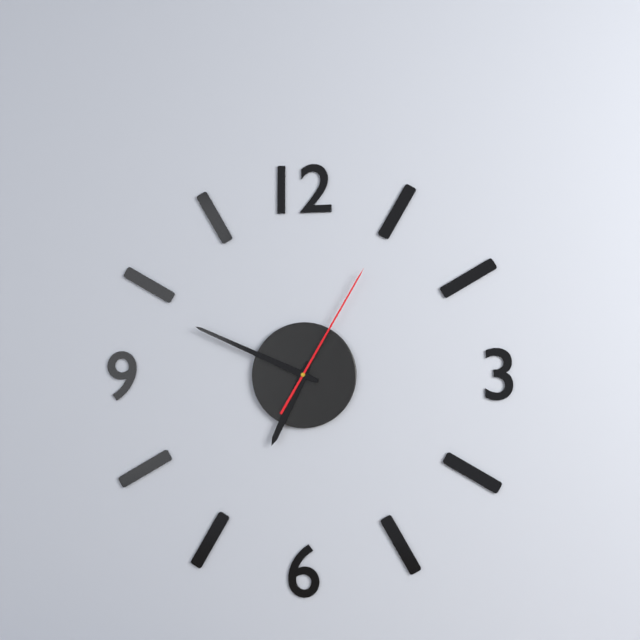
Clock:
6:49:05
